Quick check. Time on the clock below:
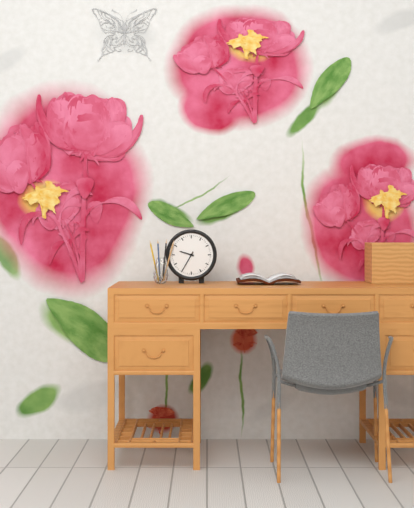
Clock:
9:35
